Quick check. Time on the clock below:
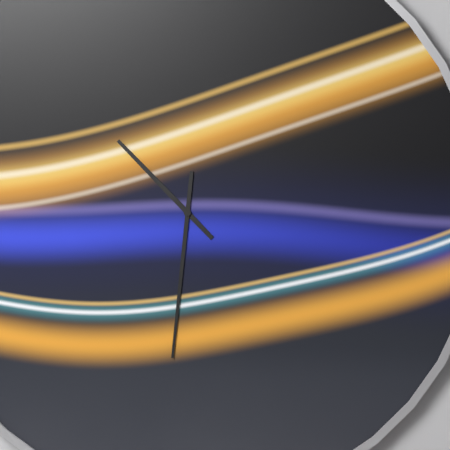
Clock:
10:31
